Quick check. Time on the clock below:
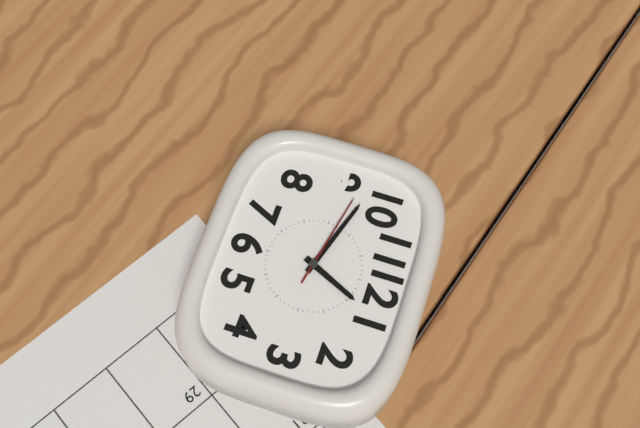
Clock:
12:48:47
